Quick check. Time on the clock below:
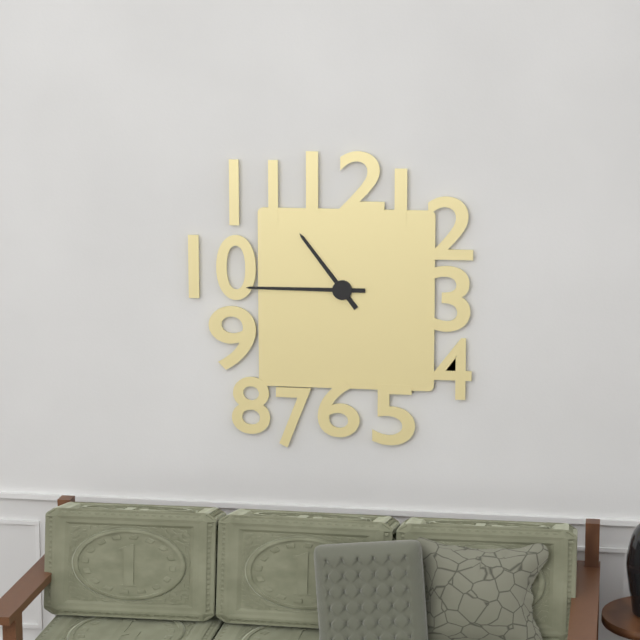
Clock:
10:45
